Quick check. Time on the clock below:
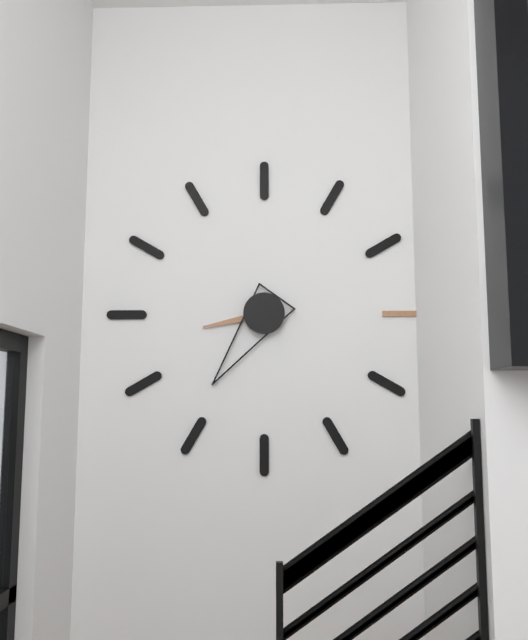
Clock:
8:36
